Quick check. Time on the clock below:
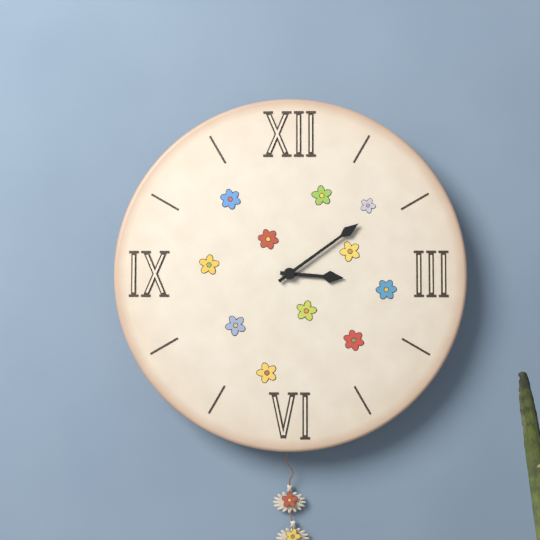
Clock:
3:09
